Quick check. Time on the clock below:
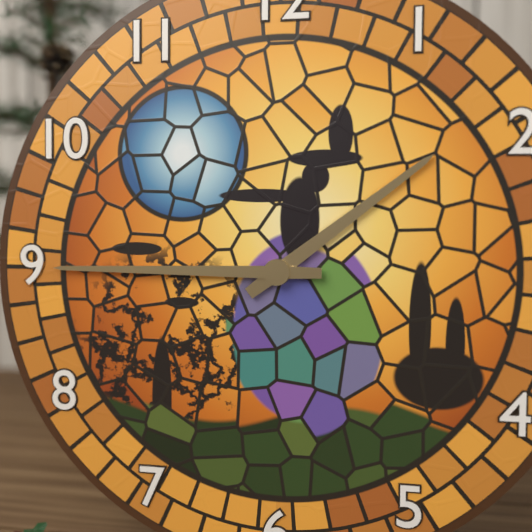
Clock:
1:45
